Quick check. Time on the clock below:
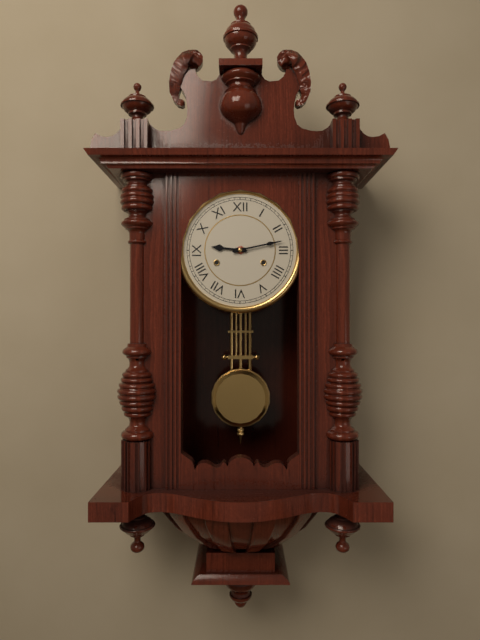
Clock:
9:13
